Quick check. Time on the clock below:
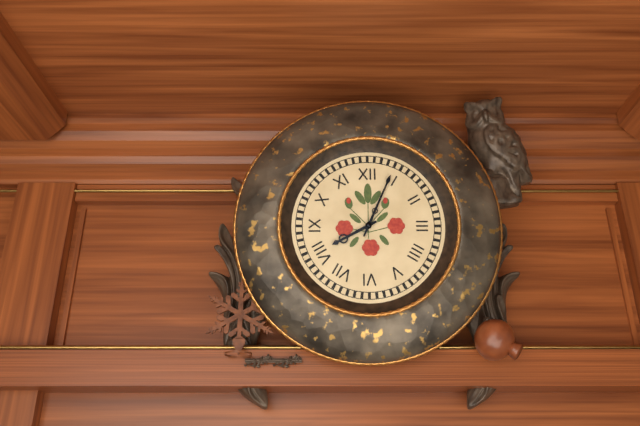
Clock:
8:04
